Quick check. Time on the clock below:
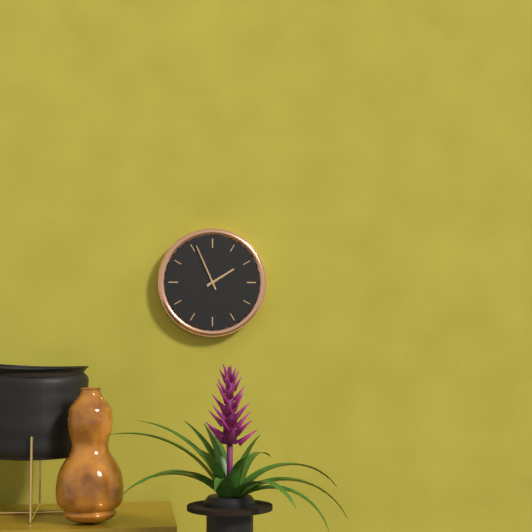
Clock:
1:56
